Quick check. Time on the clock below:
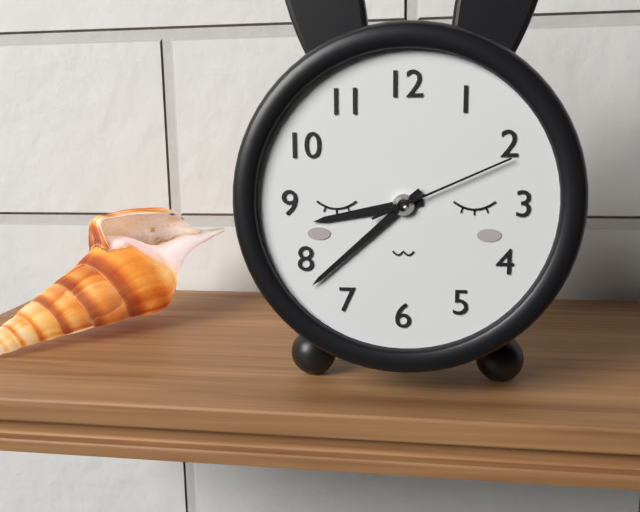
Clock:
8:38:11
